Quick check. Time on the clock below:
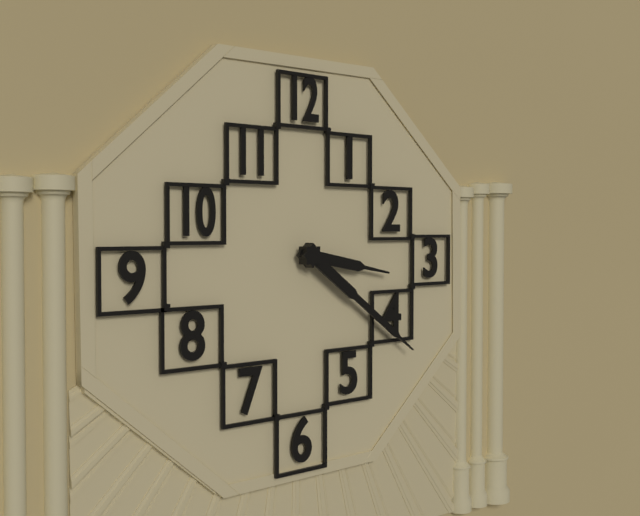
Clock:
3:21
